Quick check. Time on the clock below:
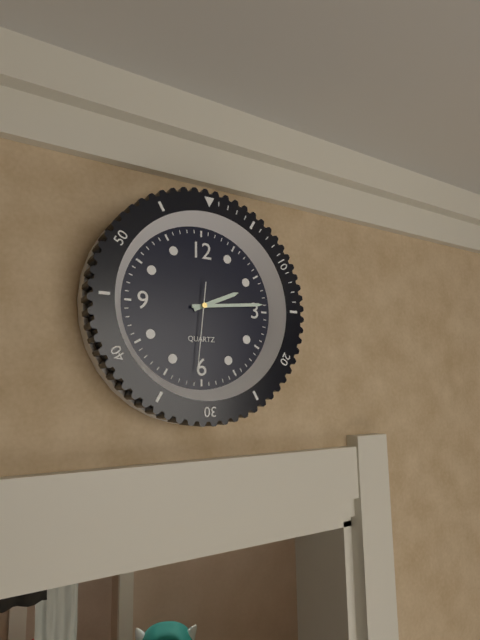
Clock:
2:14:31
